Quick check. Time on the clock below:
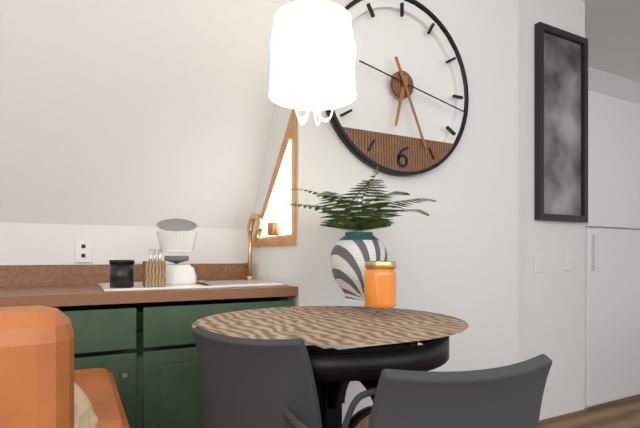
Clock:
6:26:17
